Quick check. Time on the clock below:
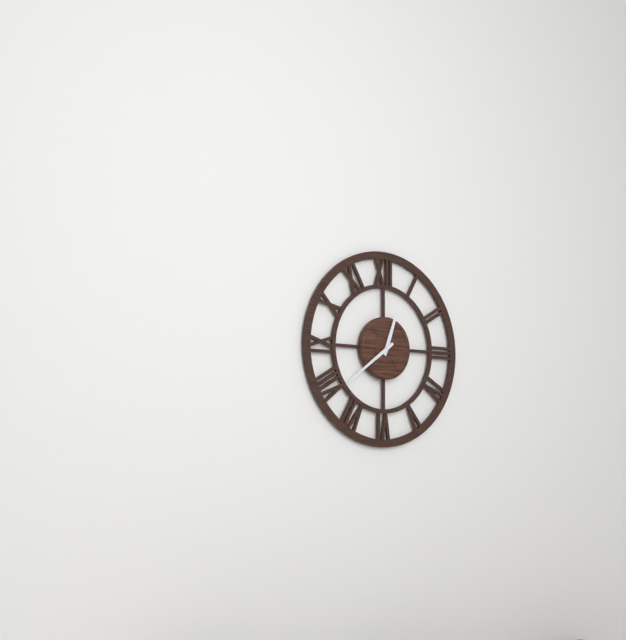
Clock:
12:39
